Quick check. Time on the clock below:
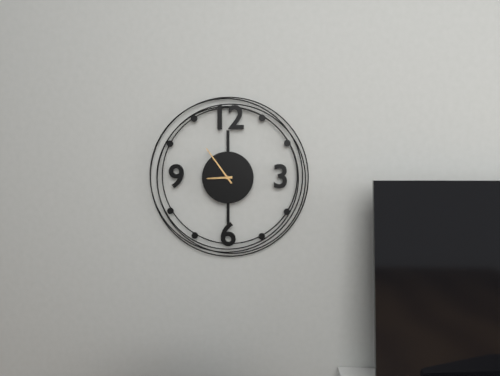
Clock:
8:54
